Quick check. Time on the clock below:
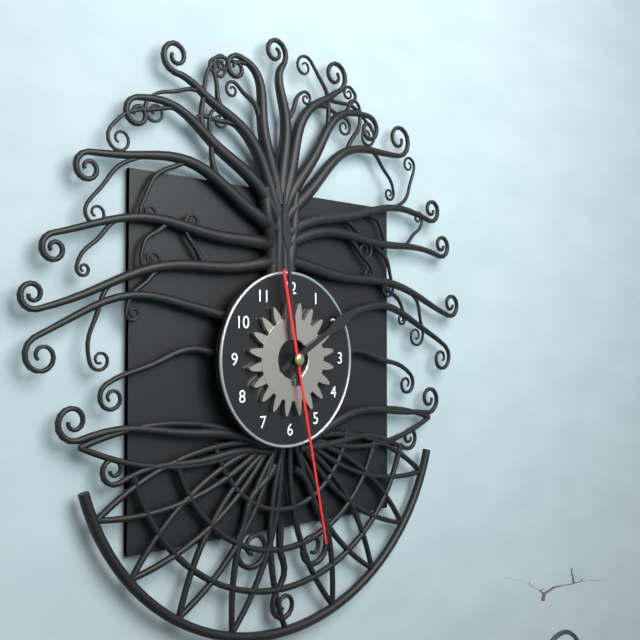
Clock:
1:59:28
